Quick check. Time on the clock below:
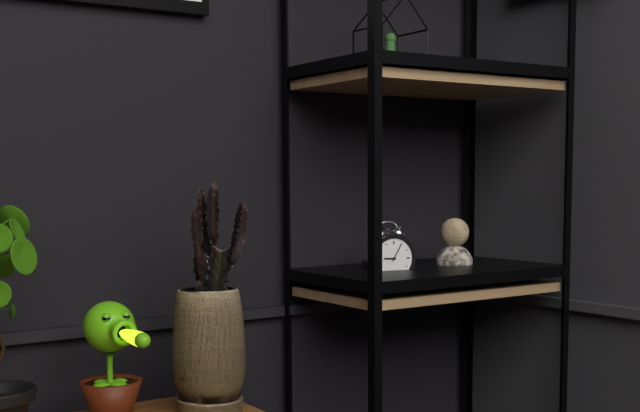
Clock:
9:05
